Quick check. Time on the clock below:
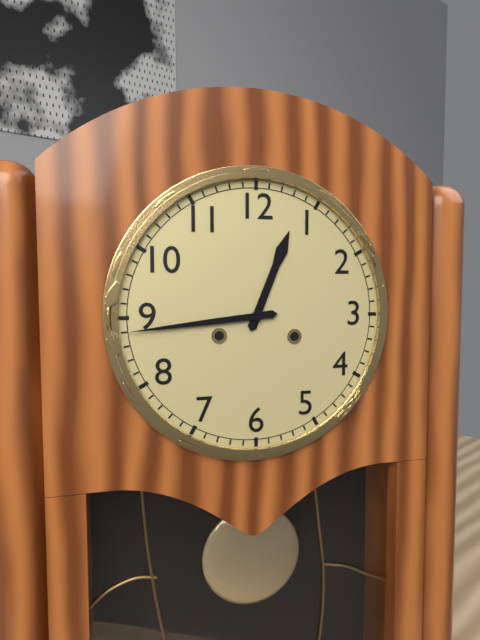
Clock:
12:44
